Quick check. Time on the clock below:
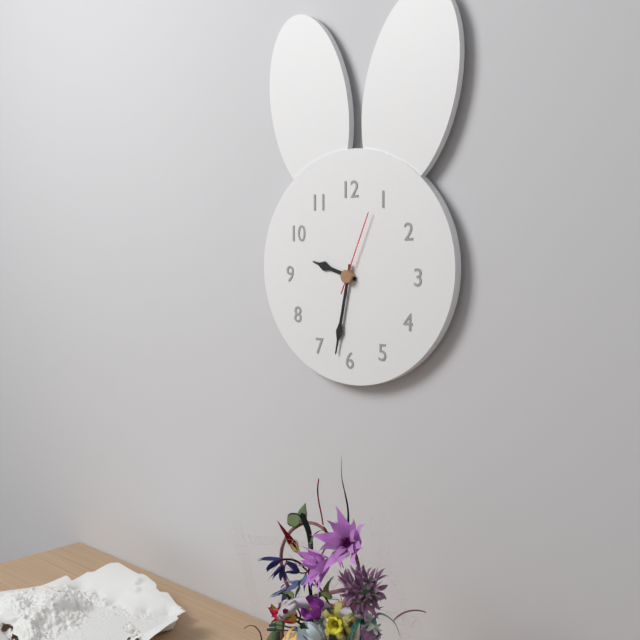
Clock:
9:32:04
